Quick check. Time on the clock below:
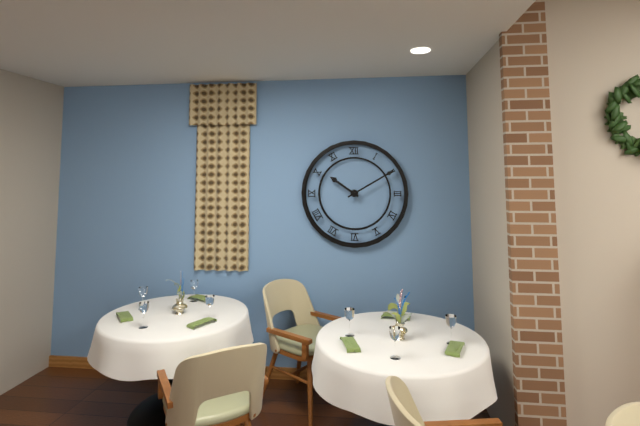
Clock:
10:10
